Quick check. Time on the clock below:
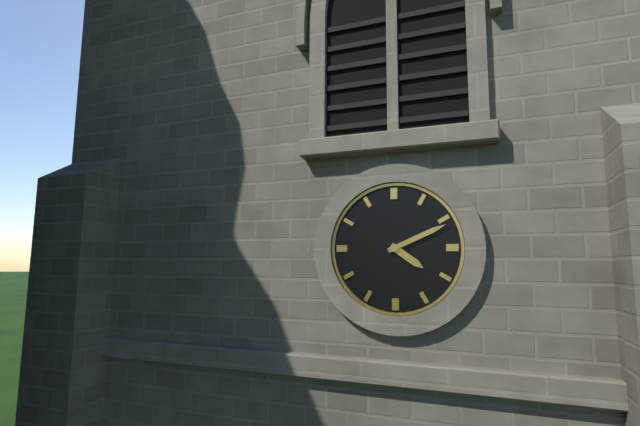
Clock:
4:11
